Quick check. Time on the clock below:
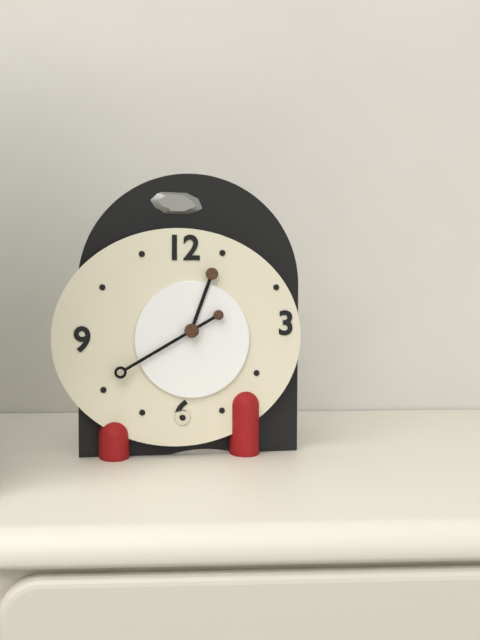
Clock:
12:40
